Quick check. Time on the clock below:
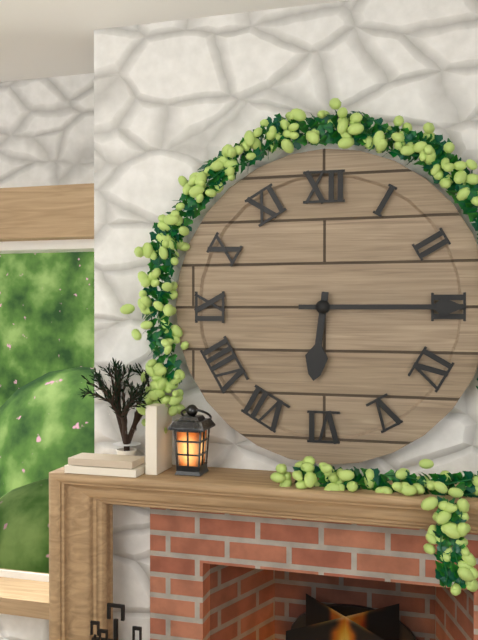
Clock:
6:15
